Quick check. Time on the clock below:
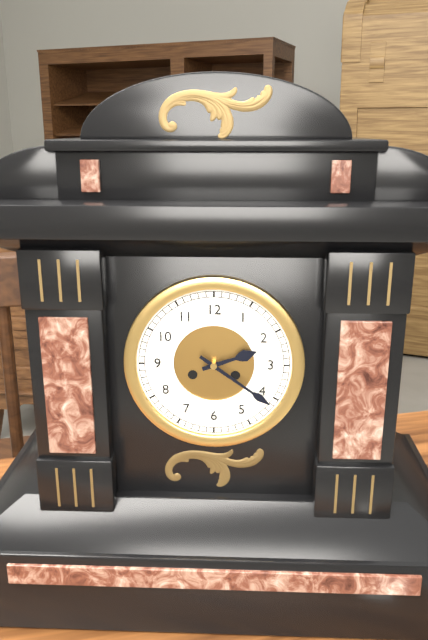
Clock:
2:21
